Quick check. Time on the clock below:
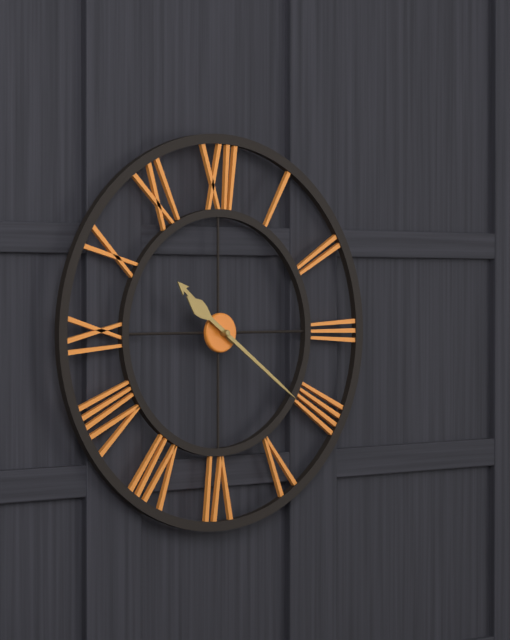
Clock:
10:21
